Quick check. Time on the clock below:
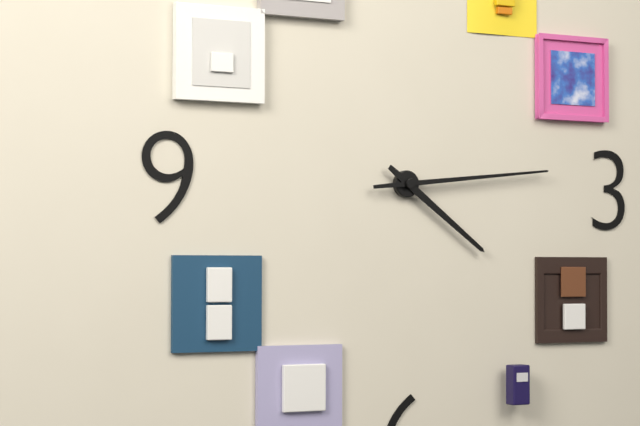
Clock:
4:14
